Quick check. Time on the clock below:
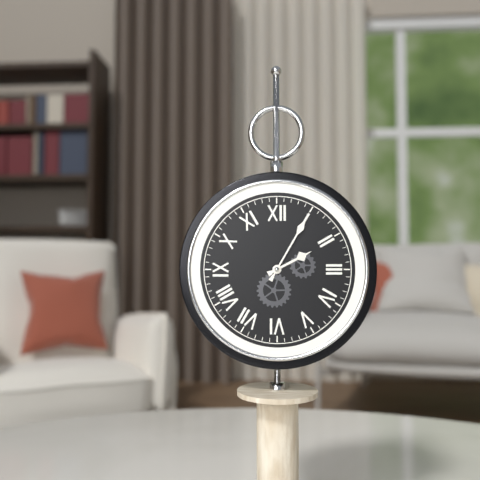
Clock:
2:05
